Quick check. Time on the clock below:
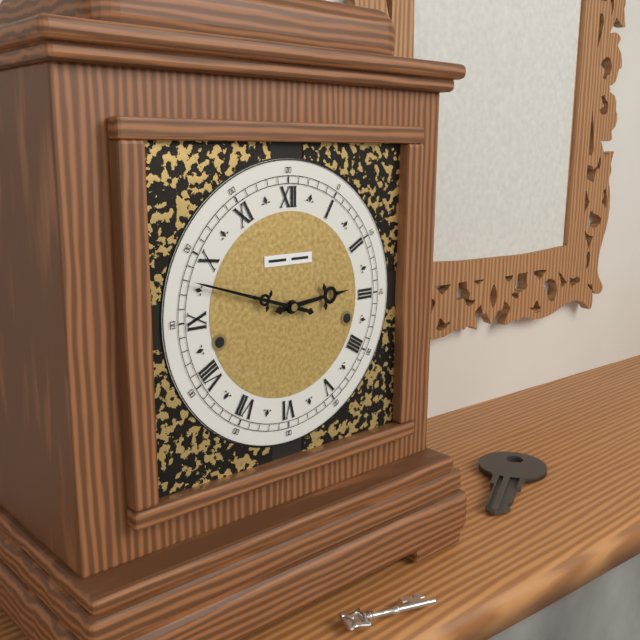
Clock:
2:48
